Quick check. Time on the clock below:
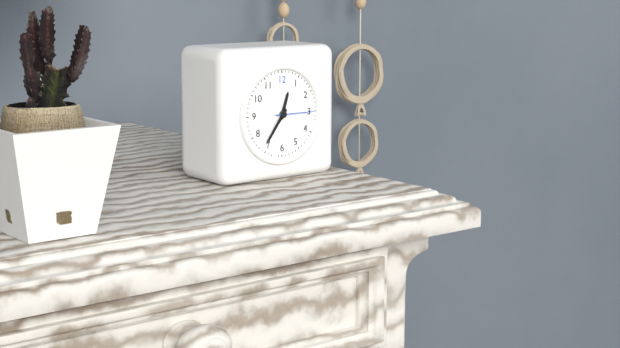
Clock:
12:36
